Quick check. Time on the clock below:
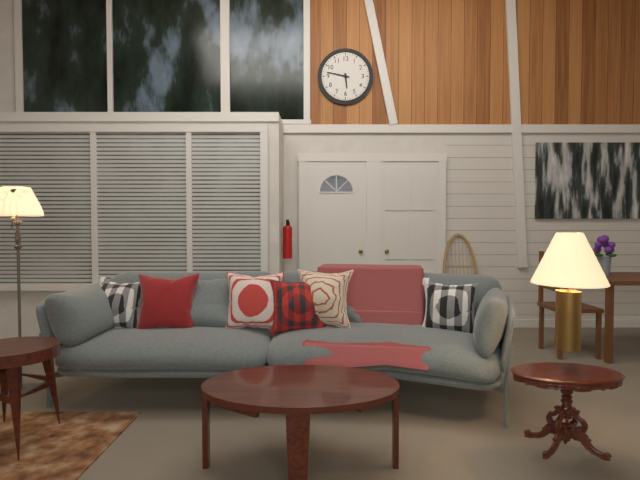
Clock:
5:47
